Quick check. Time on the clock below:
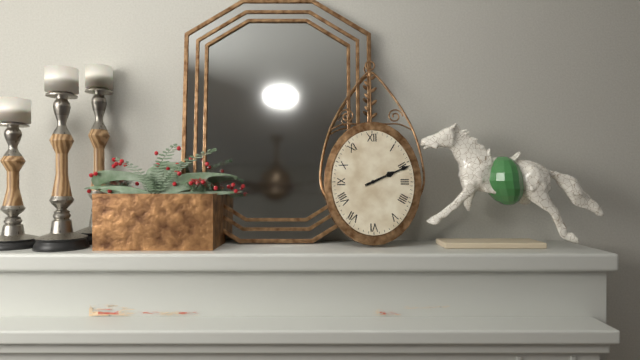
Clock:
2:11
